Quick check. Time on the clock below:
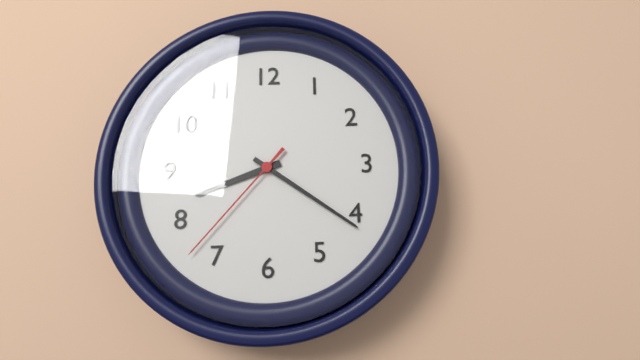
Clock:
8:21:37
